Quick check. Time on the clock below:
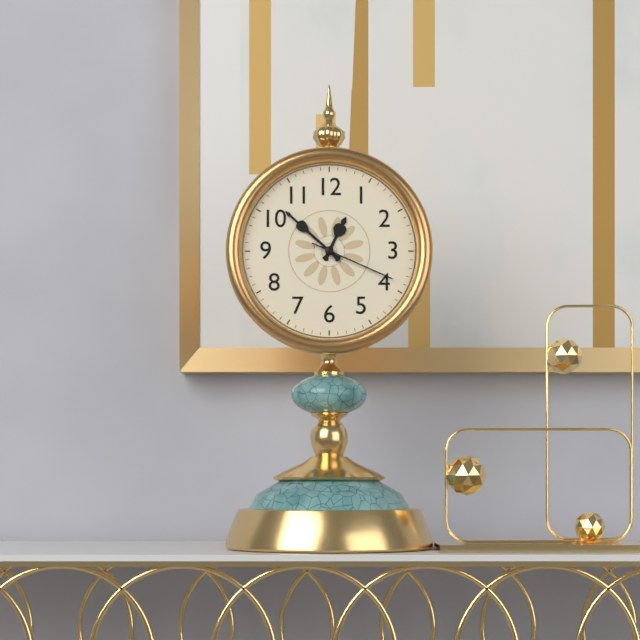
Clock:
12:52:19
